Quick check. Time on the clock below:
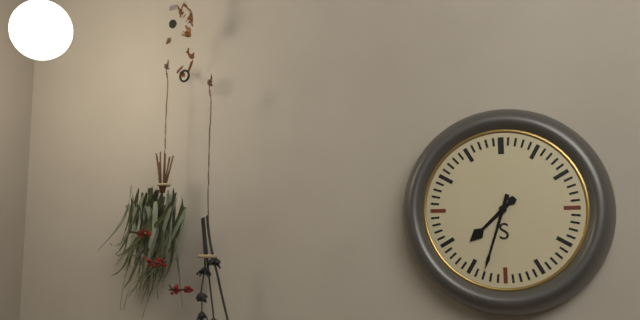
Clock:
7:33
